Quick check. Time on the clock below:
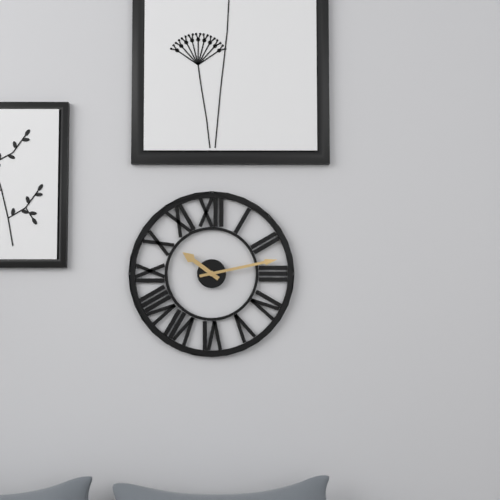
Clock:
10:13
